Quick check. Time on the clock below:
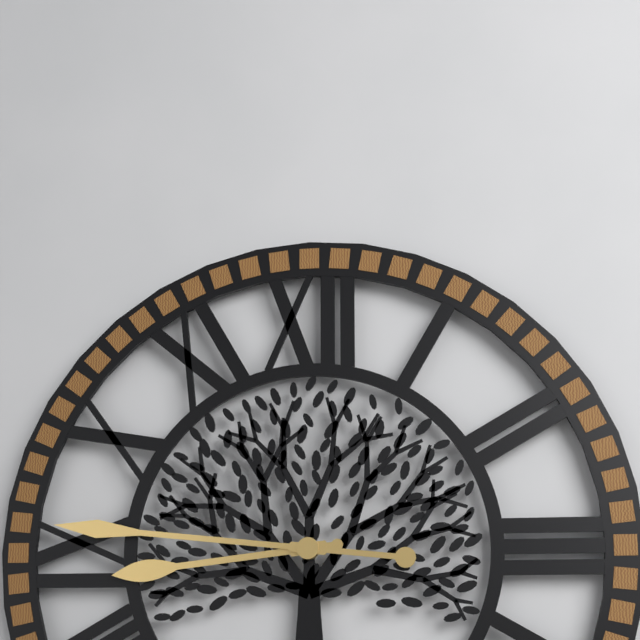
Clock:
8:46
